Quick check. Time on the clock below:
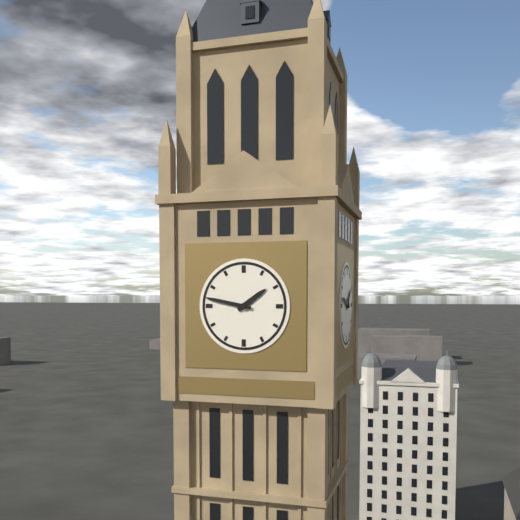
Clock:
1:47
